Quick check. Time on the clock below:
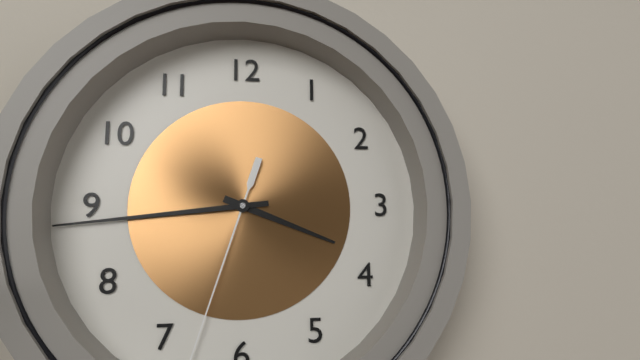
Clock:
3:44
